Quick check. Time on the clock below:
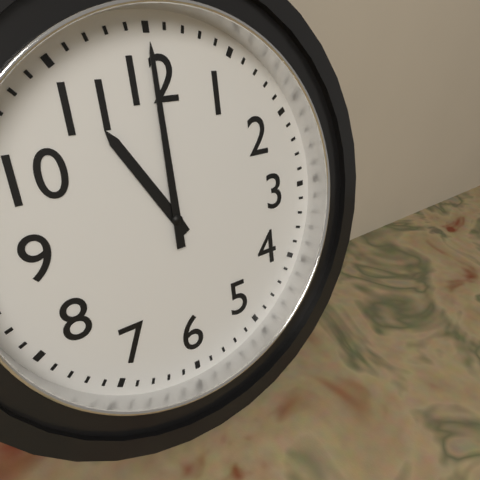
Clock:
11:00
